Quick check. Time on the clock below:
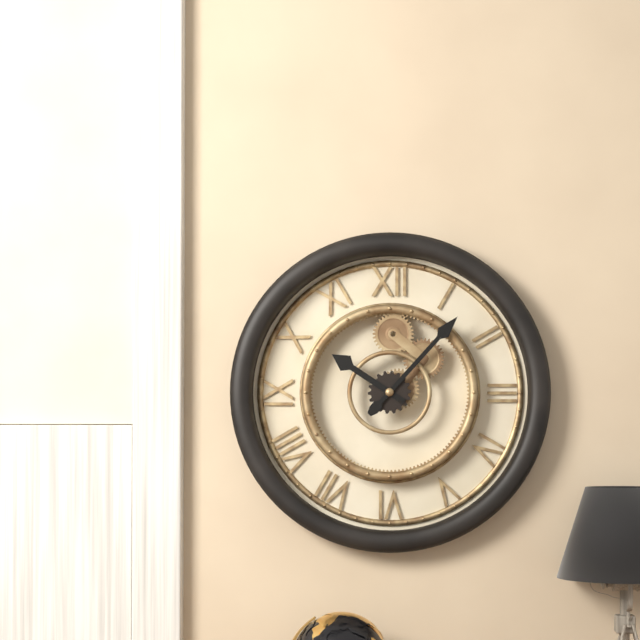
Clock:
10:07
